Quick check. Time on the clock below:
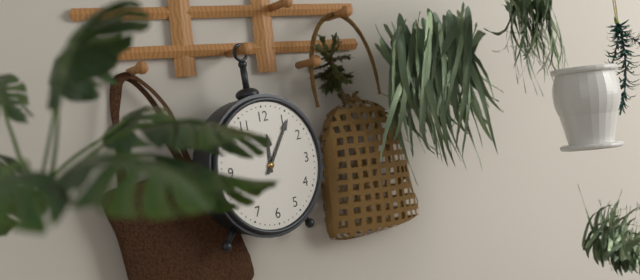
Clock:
12:06
